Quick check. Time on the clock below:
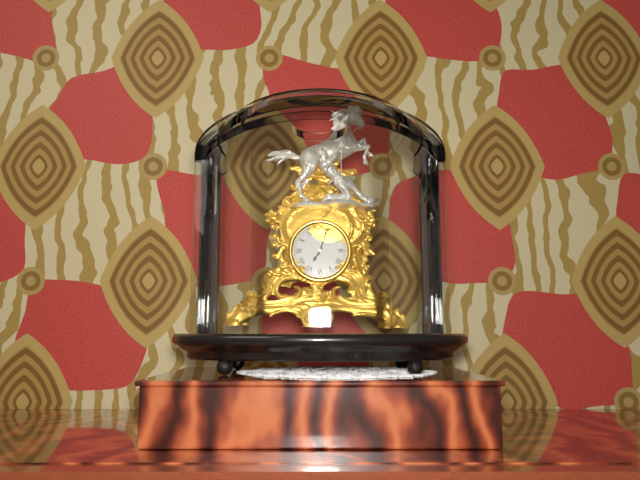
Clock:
7:03
